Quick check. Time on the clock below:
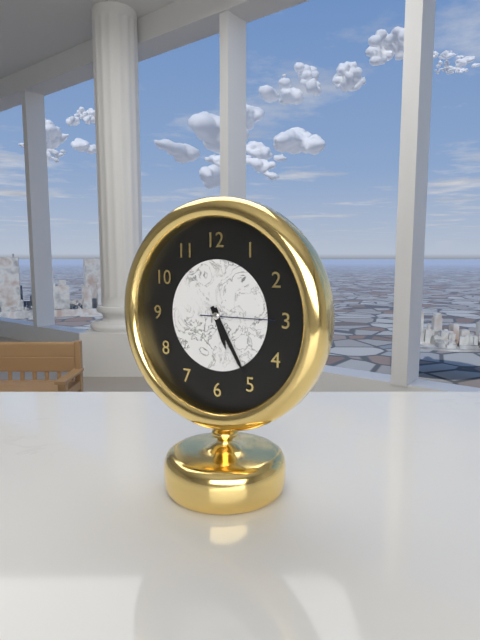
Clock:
5:25:15
